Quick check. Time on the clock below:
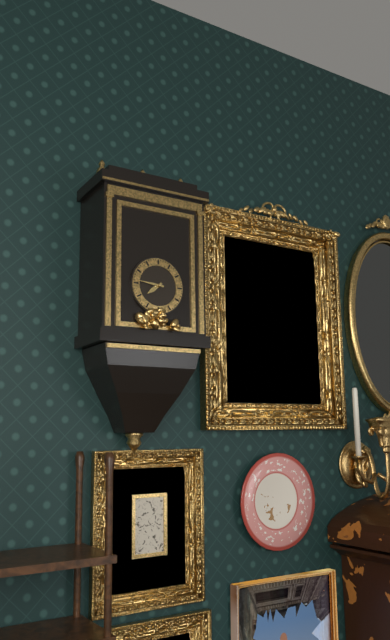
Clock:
7:46
